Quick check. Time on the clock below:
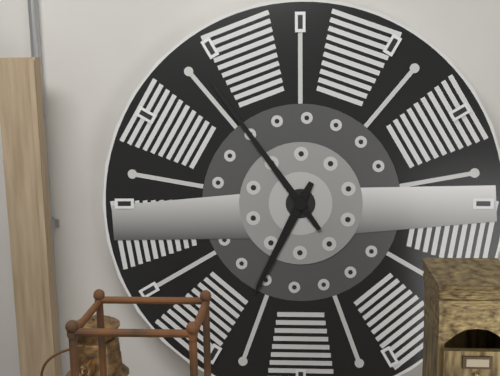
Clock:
6:54
